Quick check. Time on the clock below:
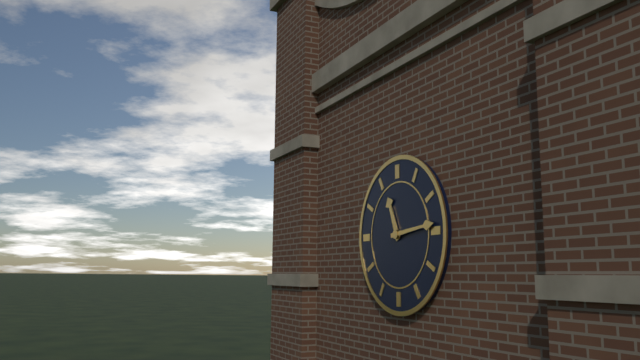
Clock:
11:14
